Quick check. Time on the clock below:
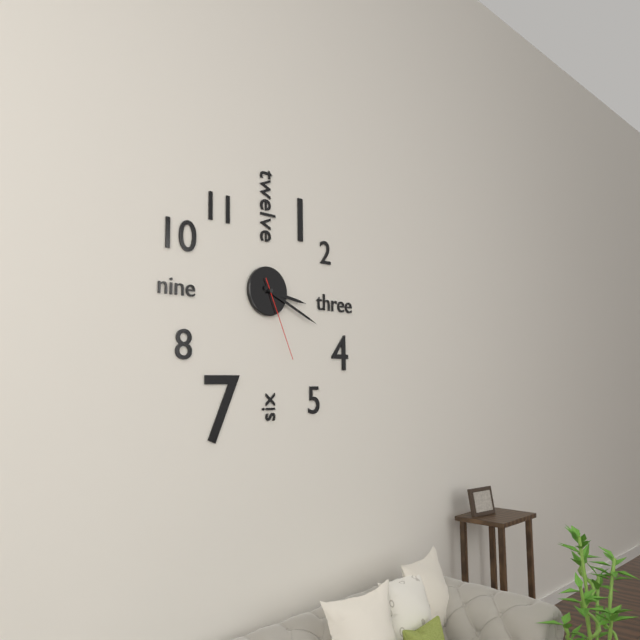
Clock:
3:19:26
